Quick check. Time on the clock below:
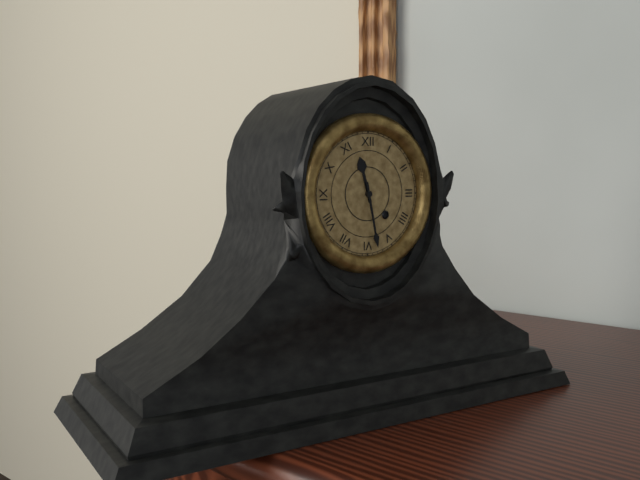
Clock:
11:28
